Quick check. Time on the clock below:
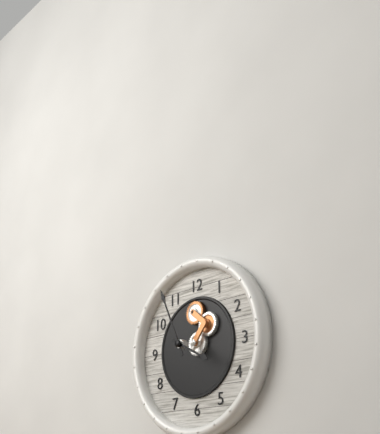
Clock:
3:56
